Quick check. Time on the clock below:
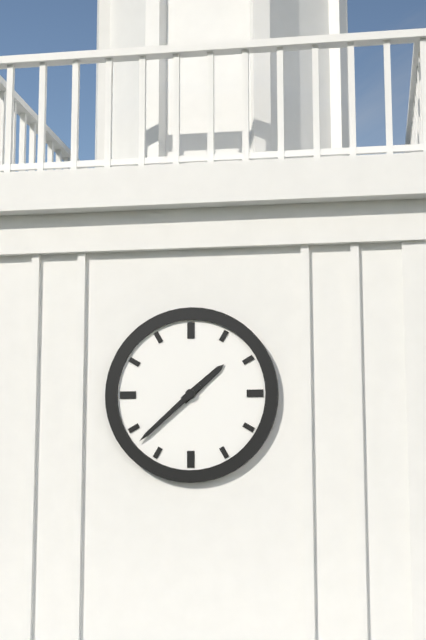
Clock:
1:38
